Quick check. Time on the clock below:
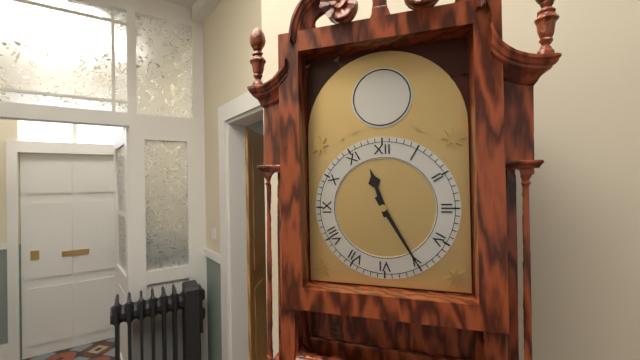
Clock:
11:25
